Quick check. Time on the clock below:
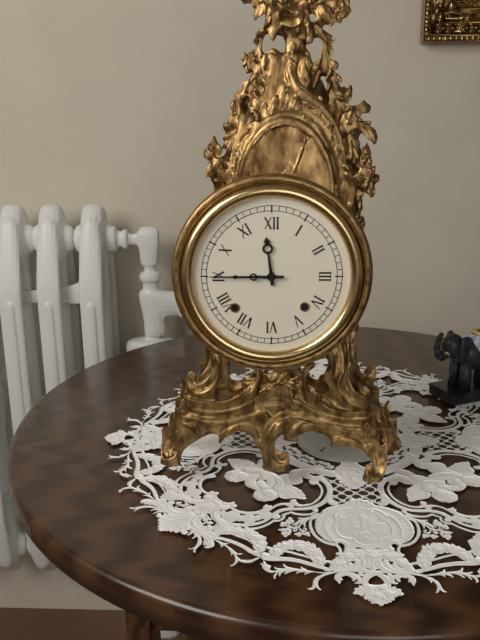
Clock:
11:45
